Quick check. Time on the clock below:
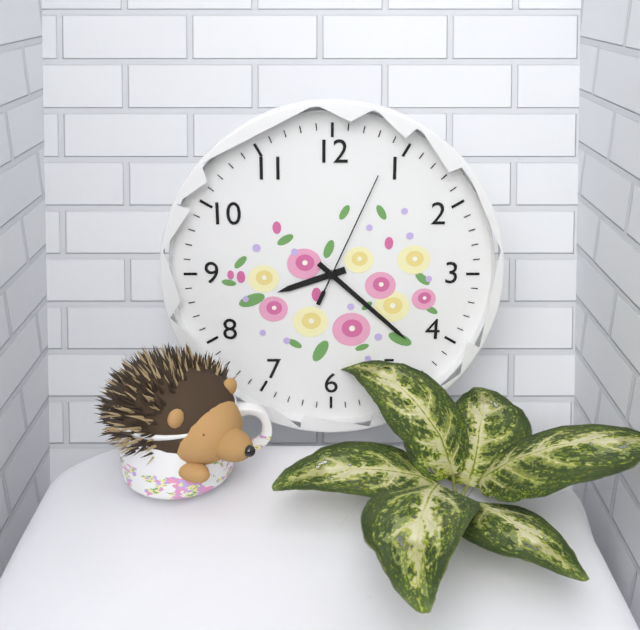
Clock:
8:22:04
